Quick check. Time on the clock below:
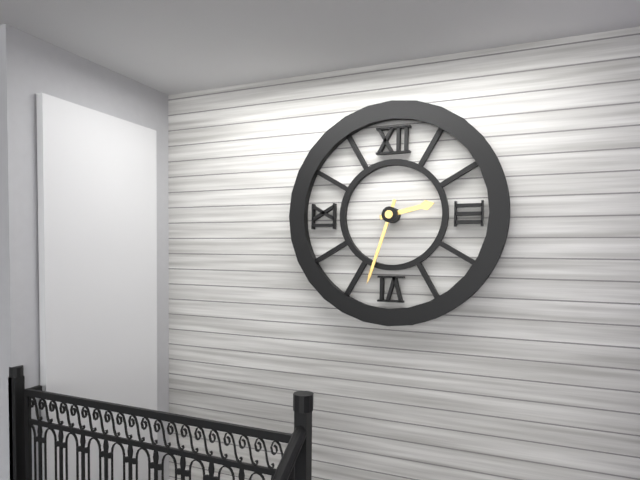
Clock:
2:33
